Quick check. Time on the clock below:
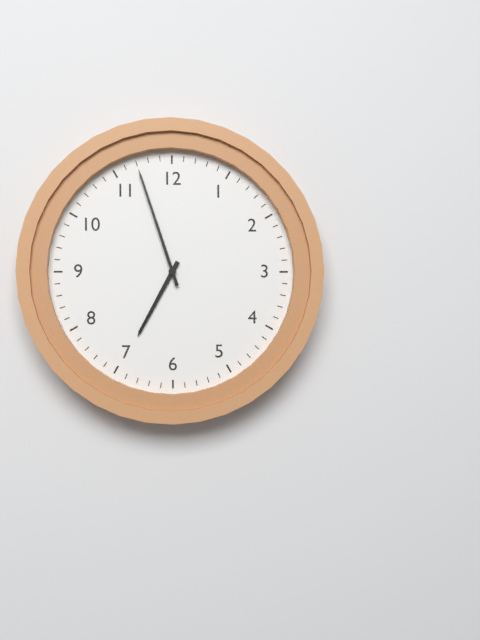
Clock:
6:57
